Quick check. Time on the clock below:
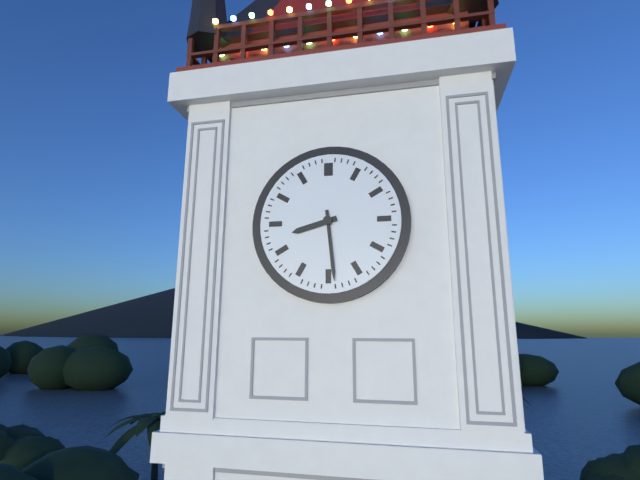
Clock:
8:29
